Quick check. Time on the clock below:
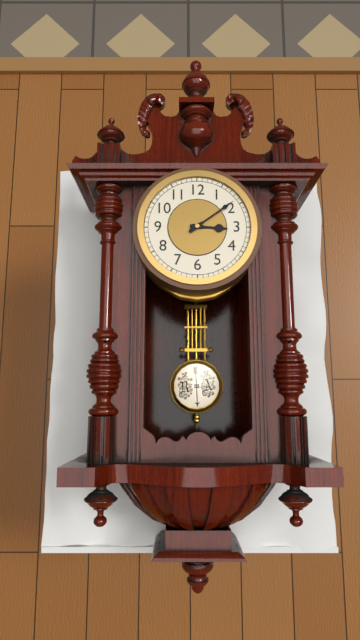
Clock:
3:09
